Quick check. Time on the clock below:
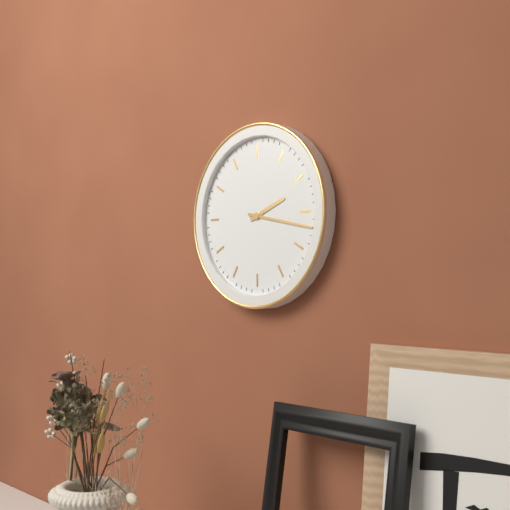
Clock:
2:17
